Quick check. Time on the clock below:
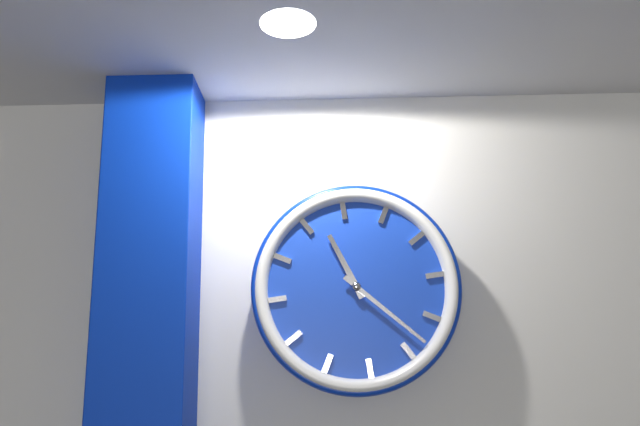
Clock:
11:23
